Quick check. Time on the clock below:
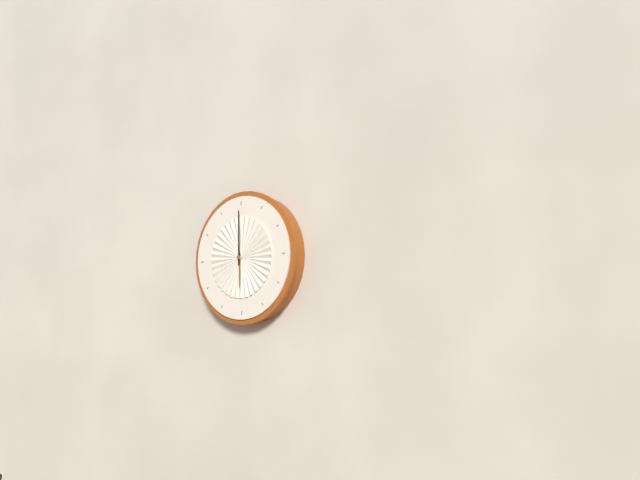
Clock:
6:00
